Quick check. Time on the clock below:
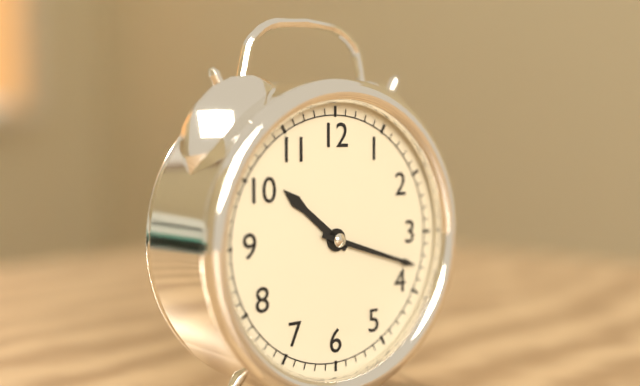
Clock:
10:18
